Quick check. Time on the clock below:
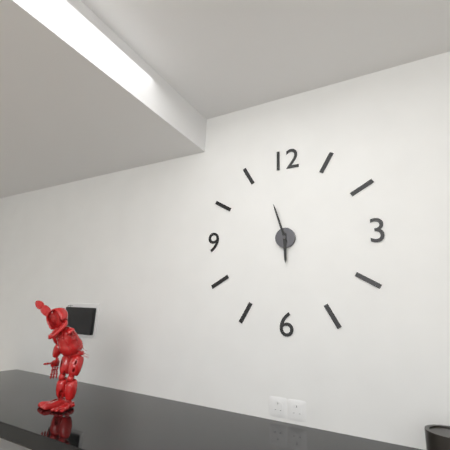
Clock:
5:57
